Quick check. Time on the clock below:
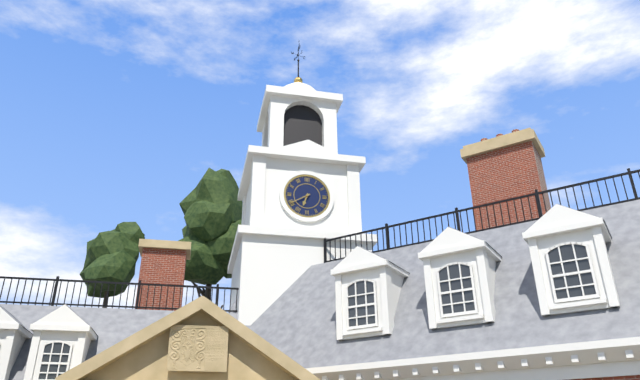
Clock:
6:40
